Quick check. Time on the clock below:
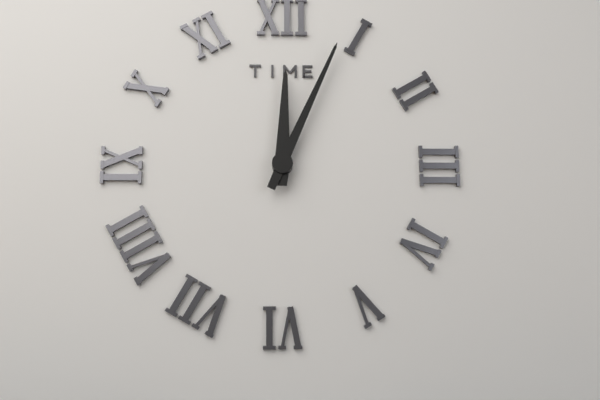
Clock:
12:04
